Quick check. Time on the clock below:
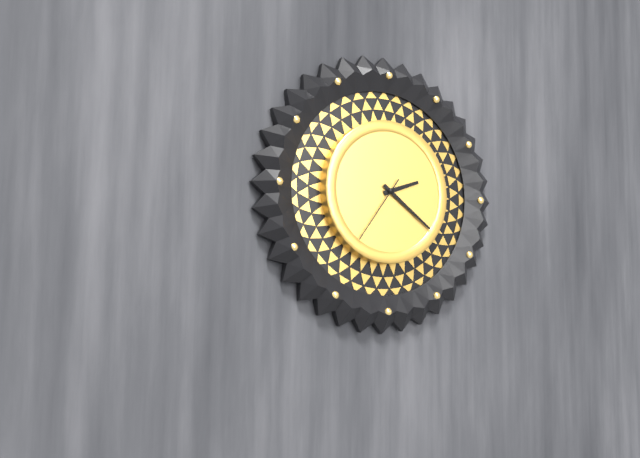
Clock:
2:21:36
